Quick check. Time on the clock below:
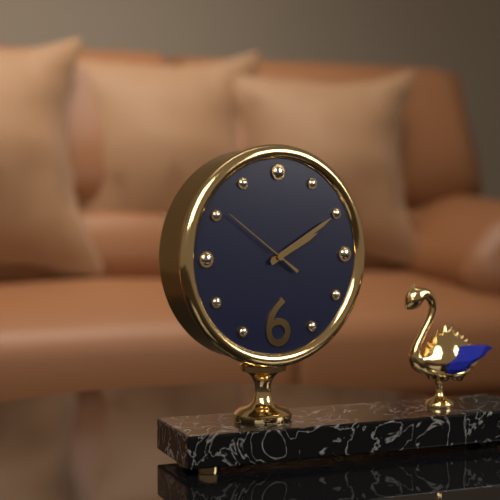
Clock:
2:10:51
